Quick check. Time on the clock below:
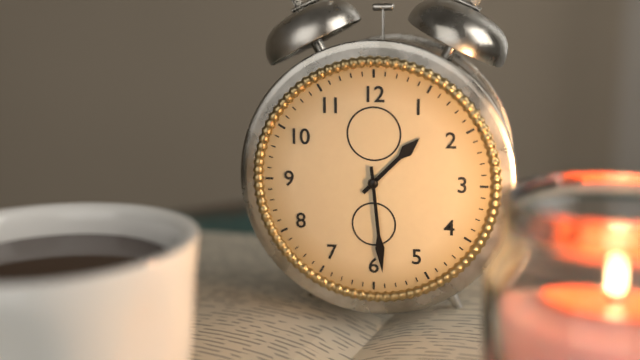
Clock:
1:29
